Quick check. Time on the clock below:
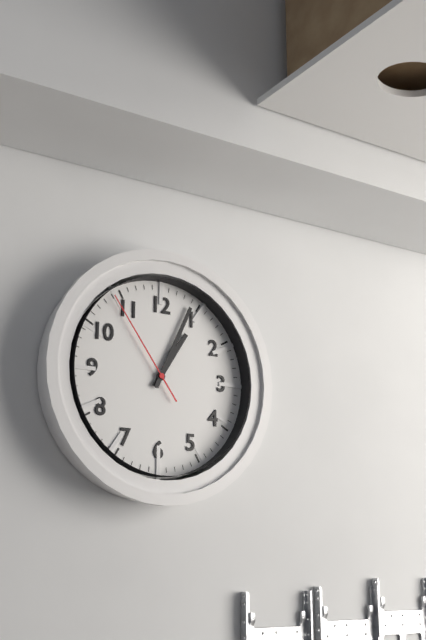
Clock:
1:04:54
